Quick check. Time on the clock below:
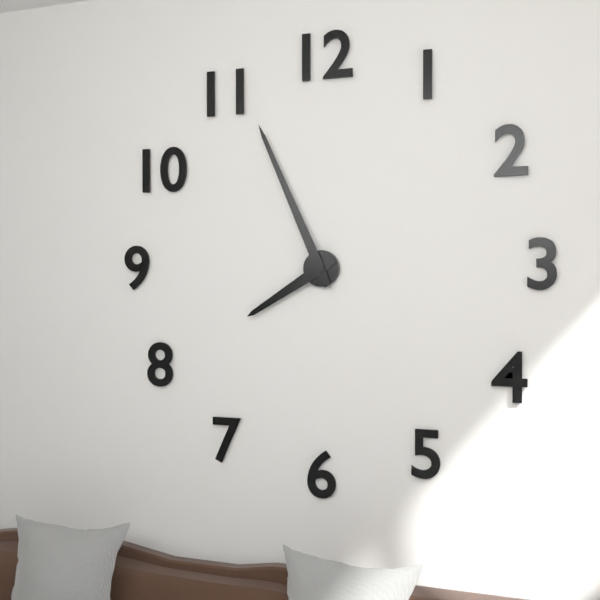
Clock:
7:56
